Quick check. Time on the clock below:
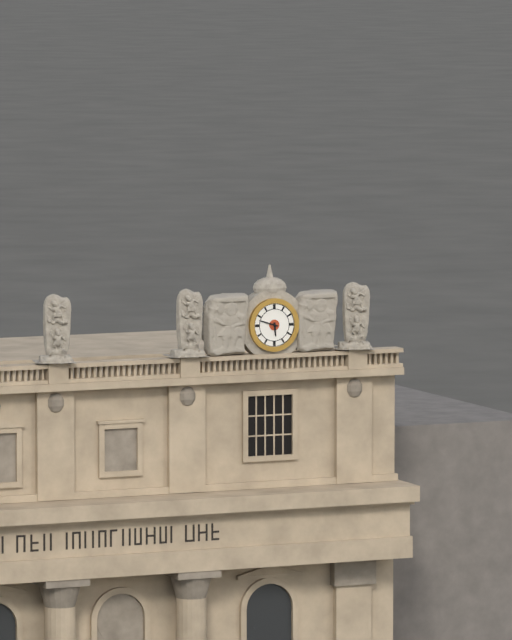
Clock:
5:48
